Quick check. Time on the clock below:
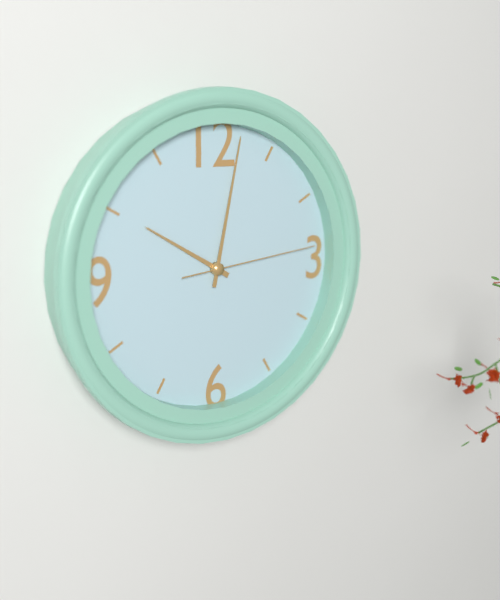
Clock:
10:02:14
